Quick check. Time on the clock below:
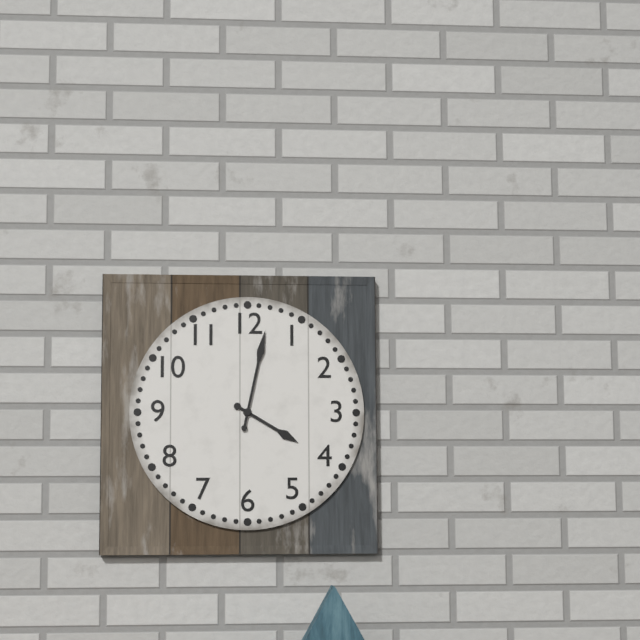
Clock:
4:02
